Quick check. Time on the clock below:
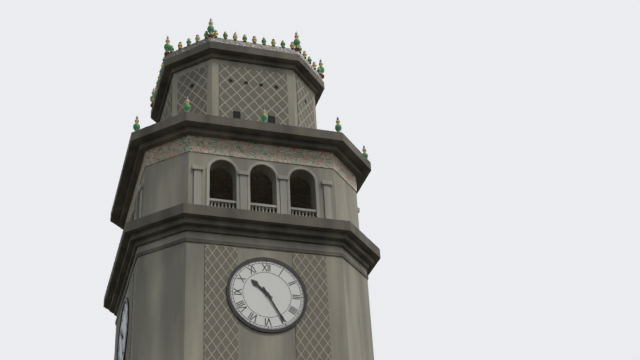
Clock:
10:25
